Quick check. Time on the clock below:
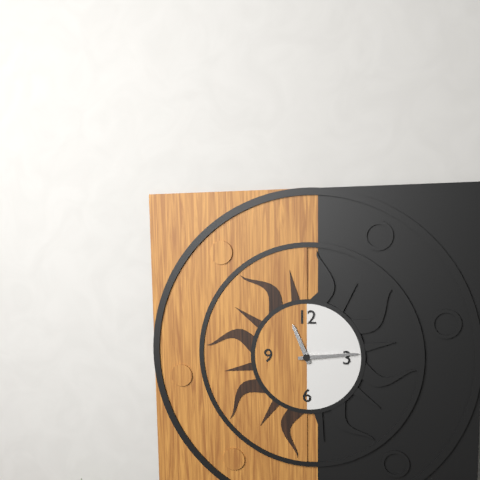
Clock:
11:14
